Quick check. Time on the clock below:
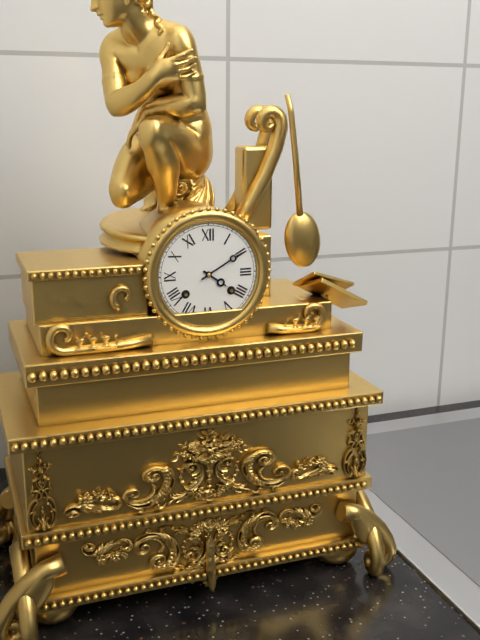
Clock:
4:10
